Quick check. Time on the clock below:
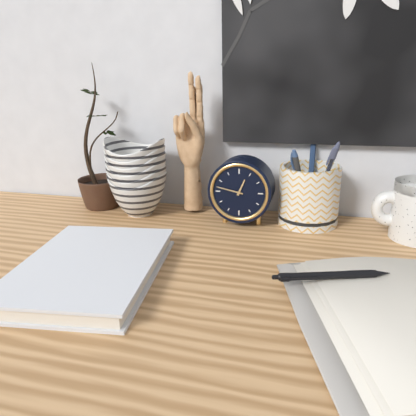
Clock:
12:47
